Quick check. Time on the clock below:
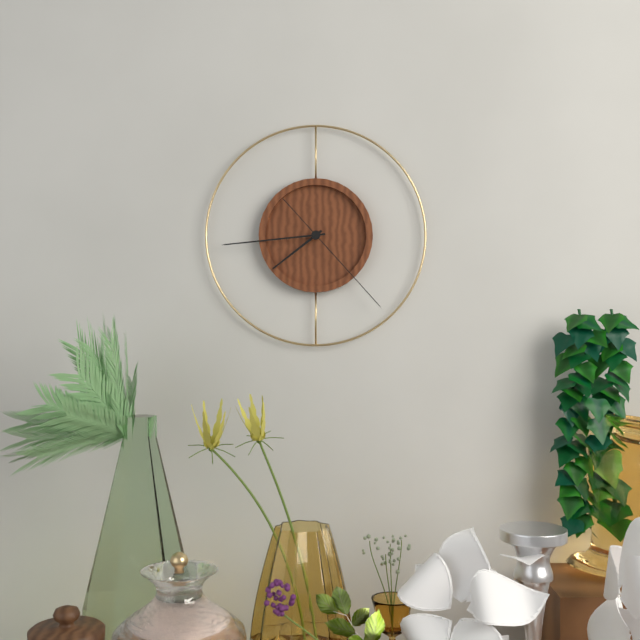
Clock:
7:44:23
